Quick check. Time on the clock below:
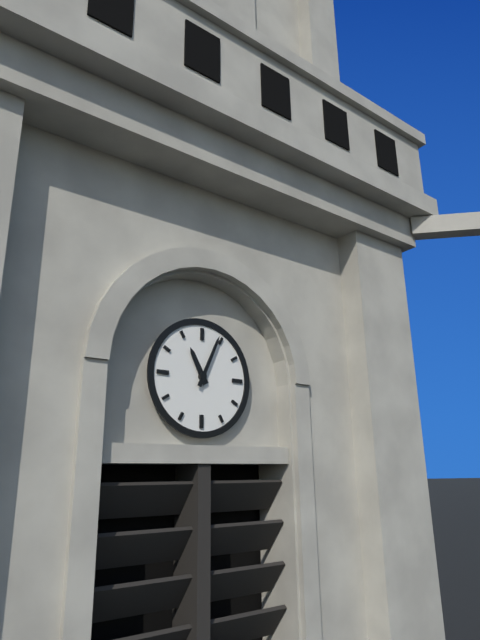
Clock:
11:04
